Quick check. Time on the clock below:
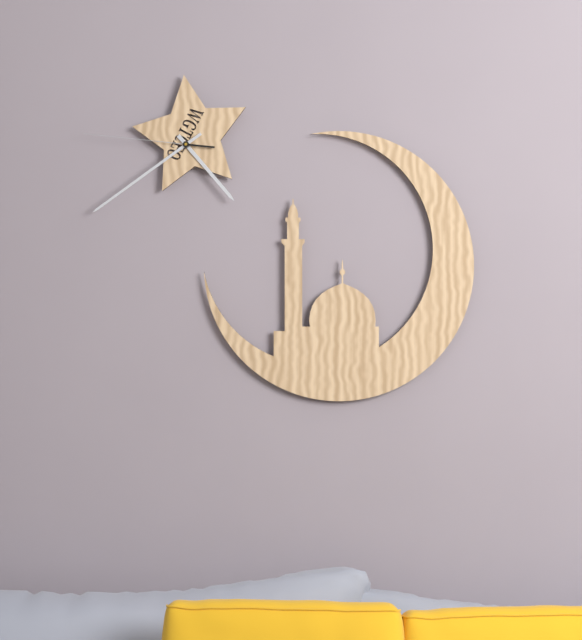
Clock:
4:39:46
